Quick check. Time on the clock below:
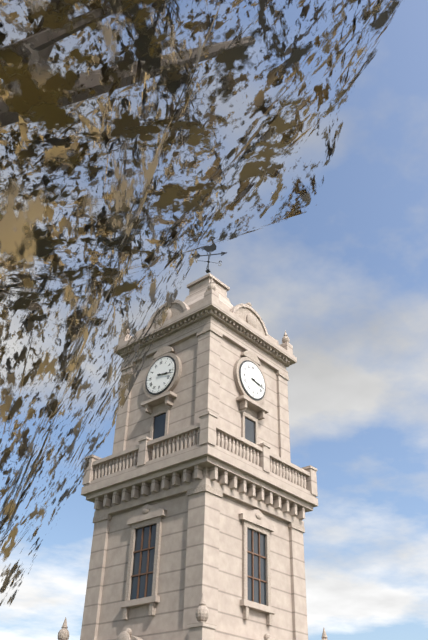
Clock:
3:17
